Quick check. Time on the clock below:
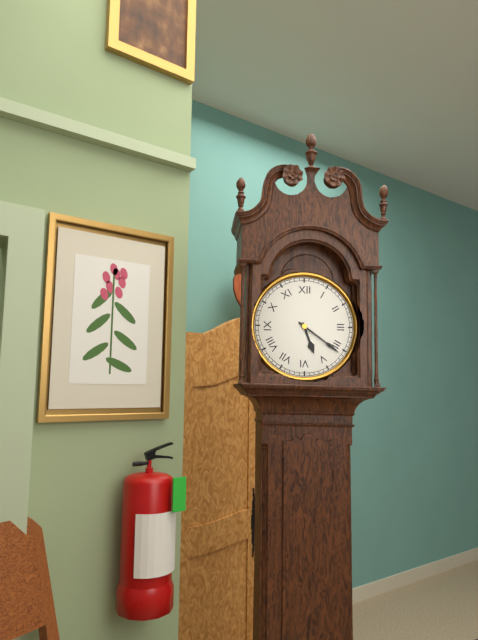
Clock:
5:21
